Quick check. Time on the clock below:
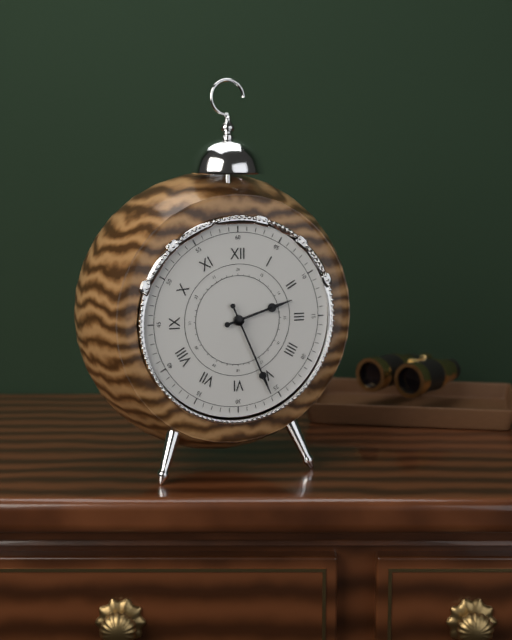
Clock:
2:26
